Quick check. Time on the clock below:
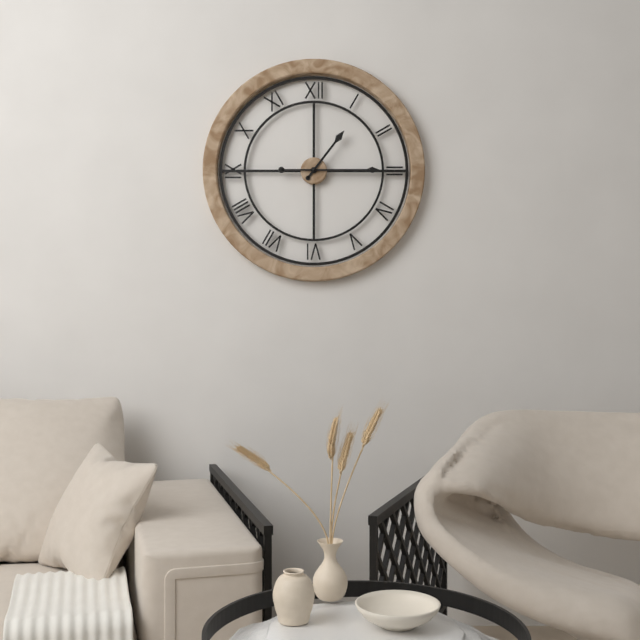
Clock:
1:15
